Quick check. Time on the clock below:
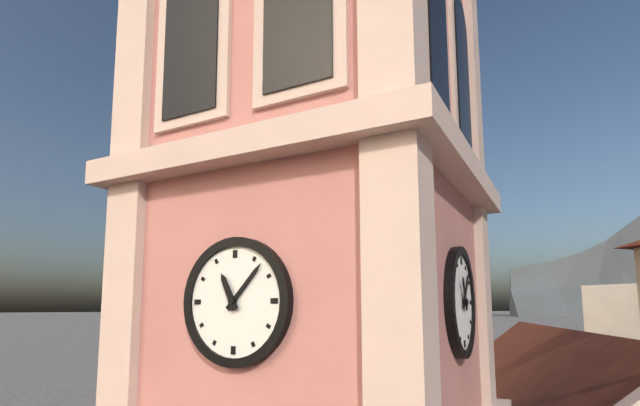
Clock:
11:07
